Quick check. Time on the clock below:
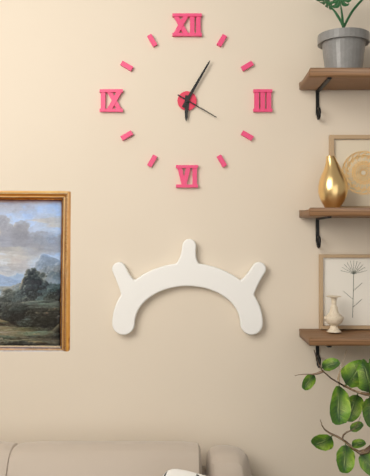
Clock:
6:05
